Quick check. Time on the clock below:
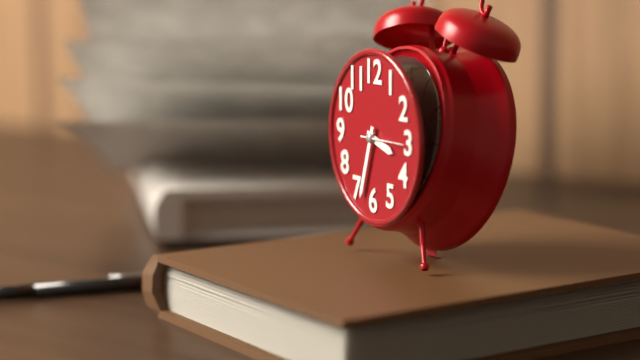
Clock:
3:33
